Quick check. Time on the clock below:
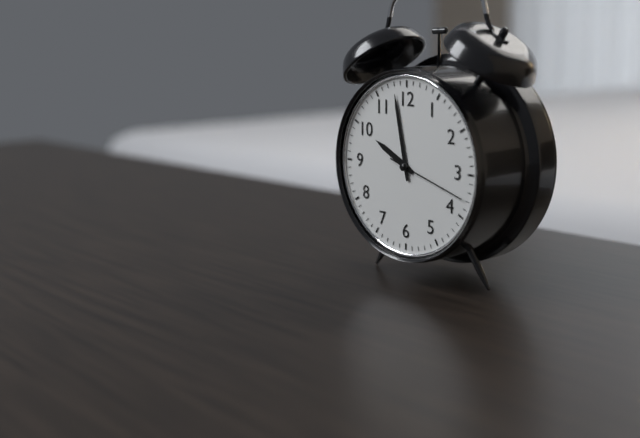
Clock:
9:58:18
